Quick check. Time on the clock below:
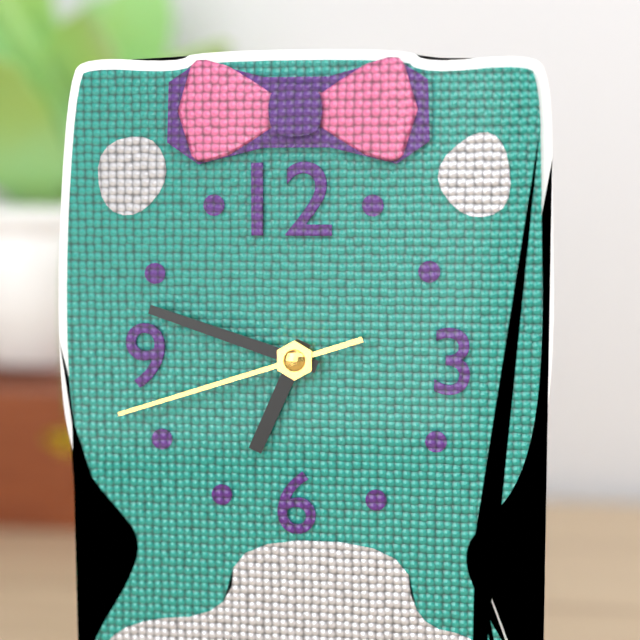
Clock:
6:48:42
